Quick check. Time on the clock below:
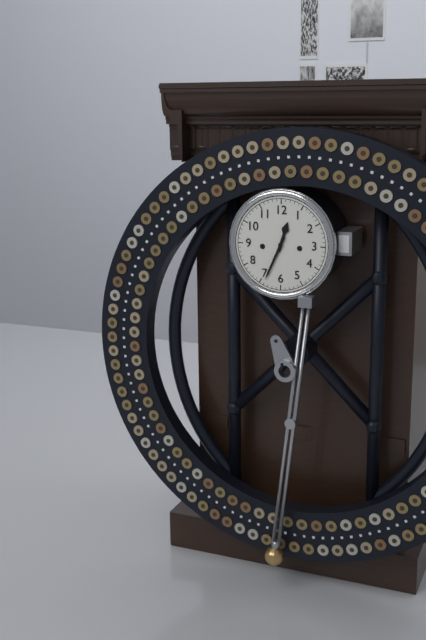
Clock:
12:34
